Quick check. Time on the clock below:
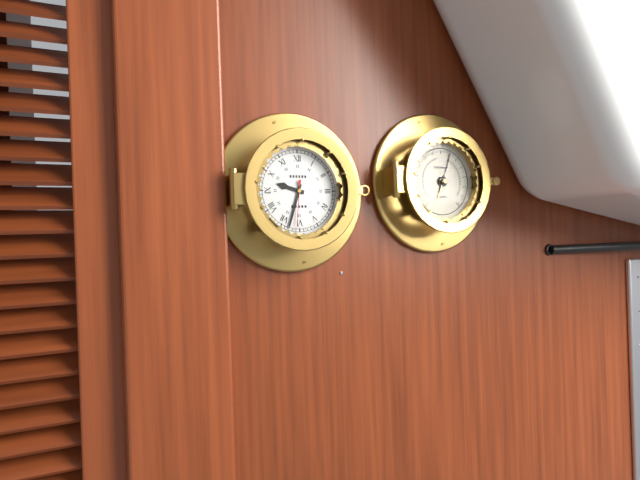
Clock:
9:33
